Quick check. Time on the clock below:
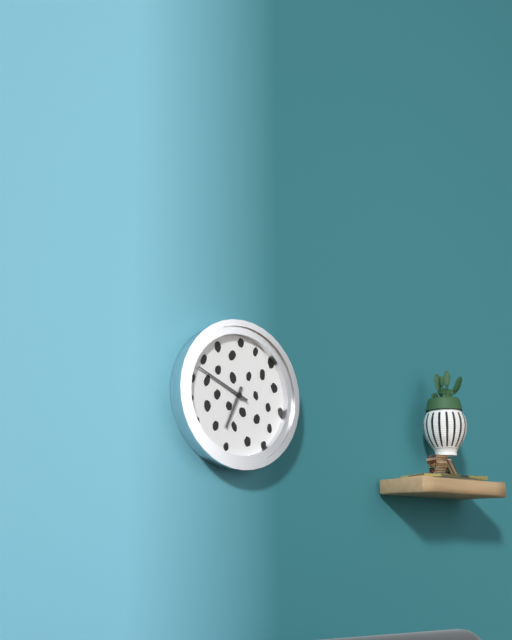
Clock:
6:49
